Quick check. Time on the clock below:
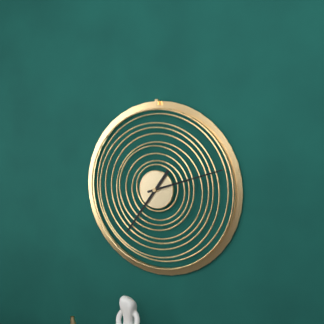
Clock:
7:12
